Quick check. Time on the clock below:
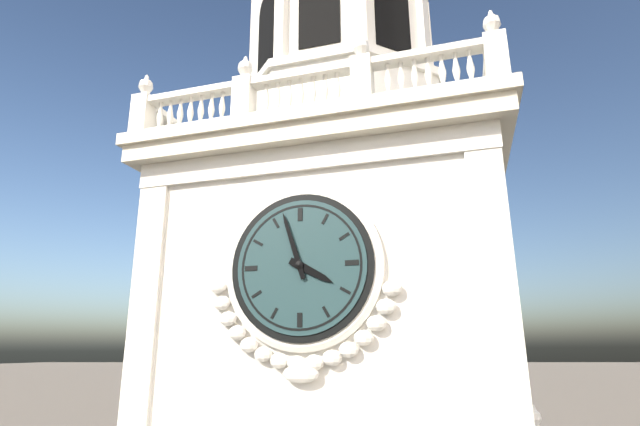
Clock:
3:57
